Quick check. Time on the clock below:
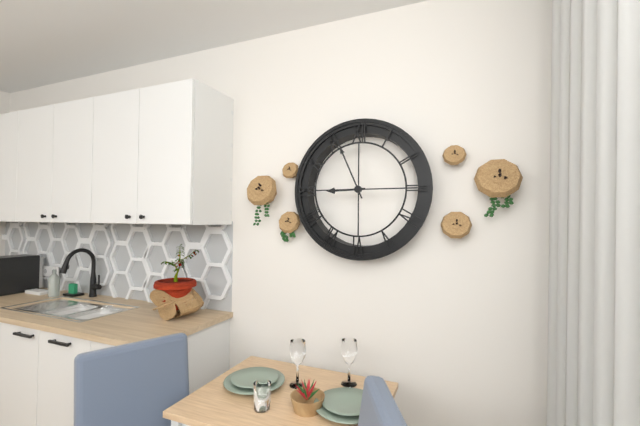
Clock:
8:56
